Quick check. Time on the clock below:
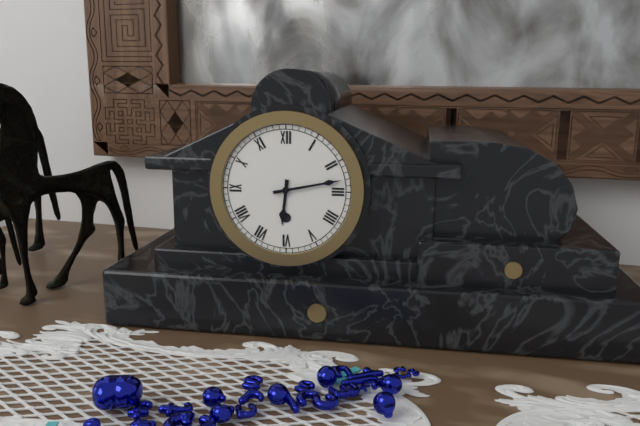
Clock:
6:13
